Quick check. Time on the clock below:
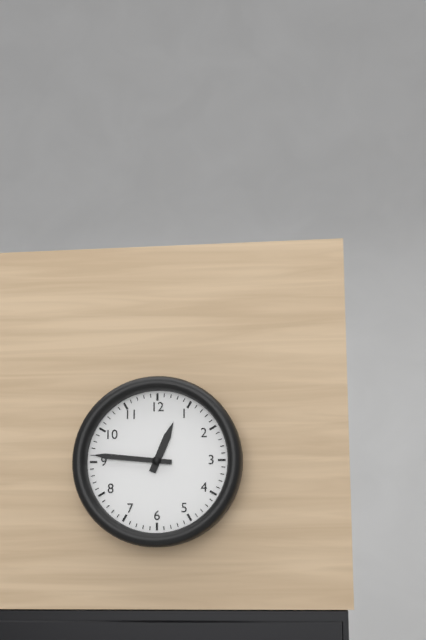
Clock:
12:46
